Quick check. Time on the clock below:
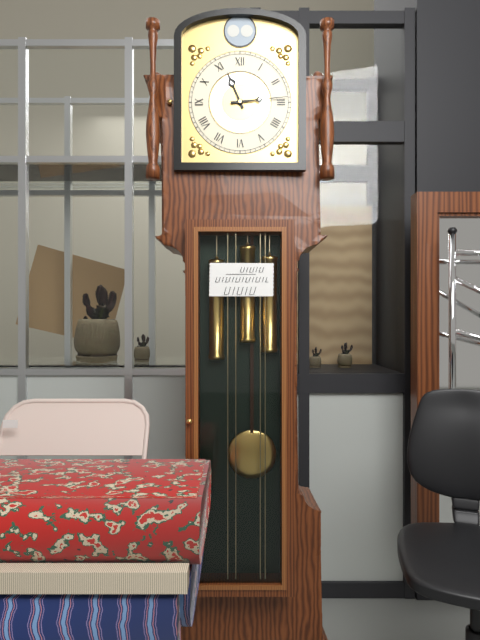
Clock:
11:14
